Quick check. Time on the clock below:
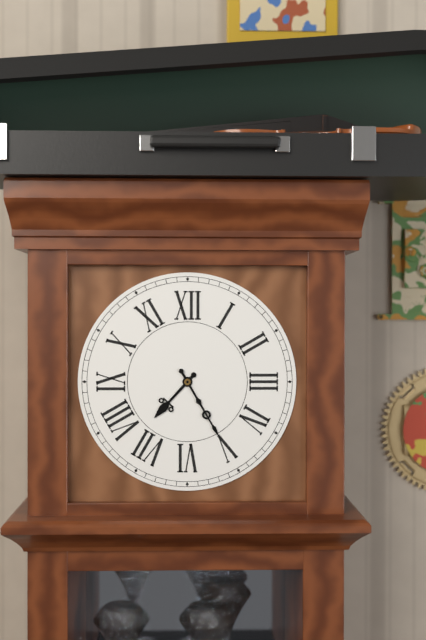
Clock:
7:25
